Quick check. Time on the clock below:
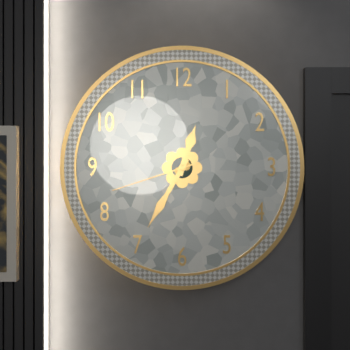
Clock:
12:35:42
